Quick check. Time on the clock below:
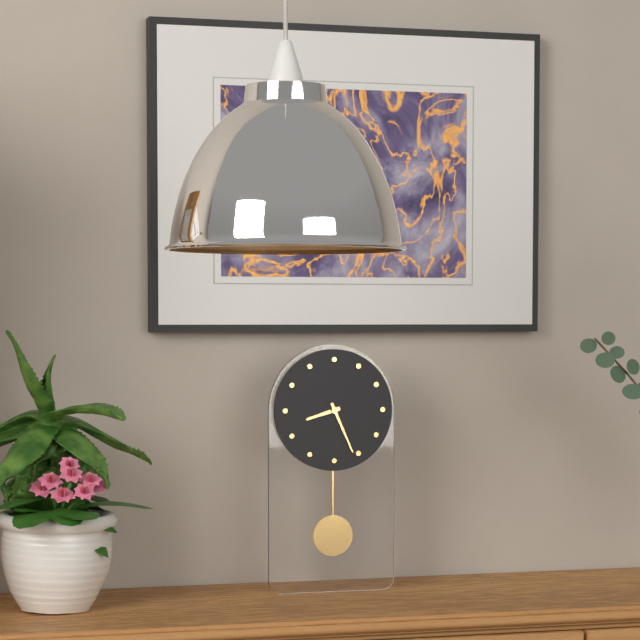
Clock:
8:26
